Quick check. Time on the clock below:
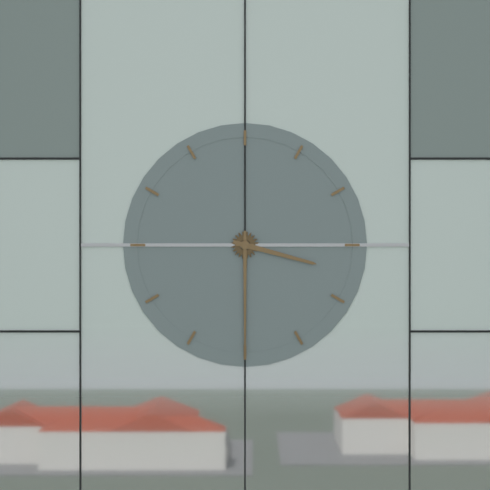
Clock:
3:30
